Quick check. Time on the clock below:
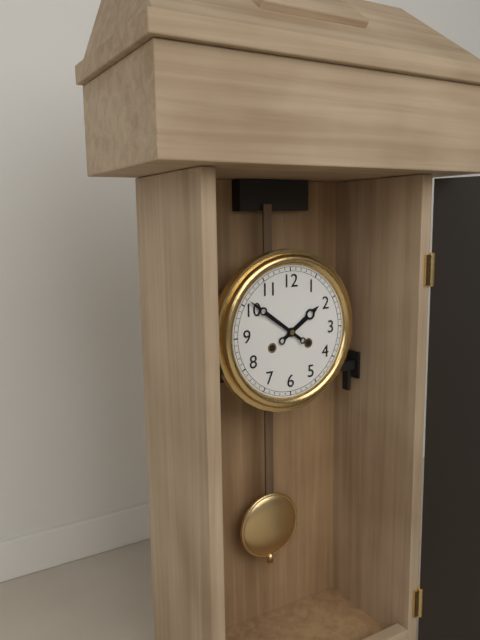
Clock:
1:51
